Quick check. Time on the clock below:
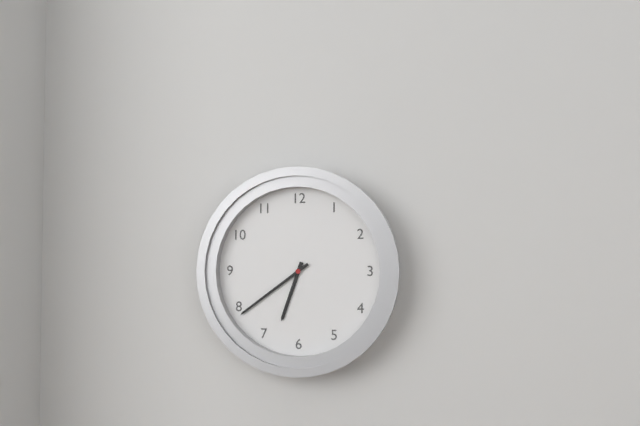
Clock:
6:39
